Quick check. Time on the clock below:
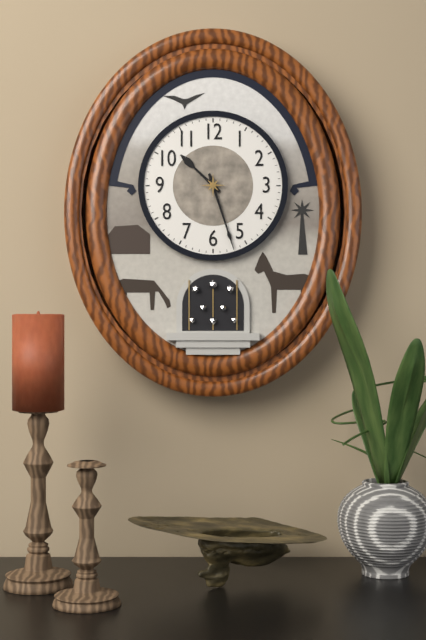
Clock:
10:27
